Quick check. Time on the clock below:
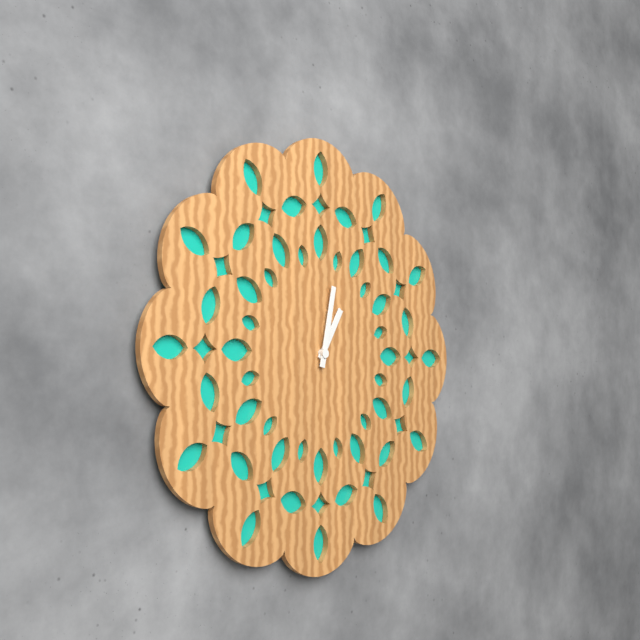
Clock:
1:02
